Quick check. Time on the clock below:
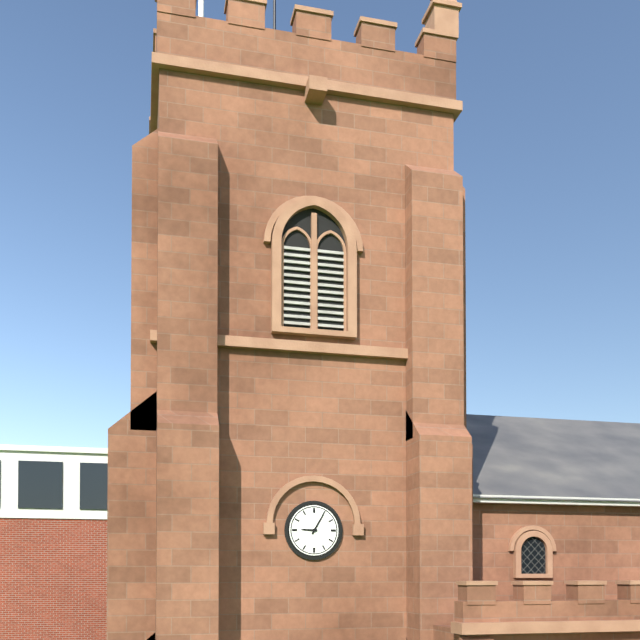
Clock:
9:05
